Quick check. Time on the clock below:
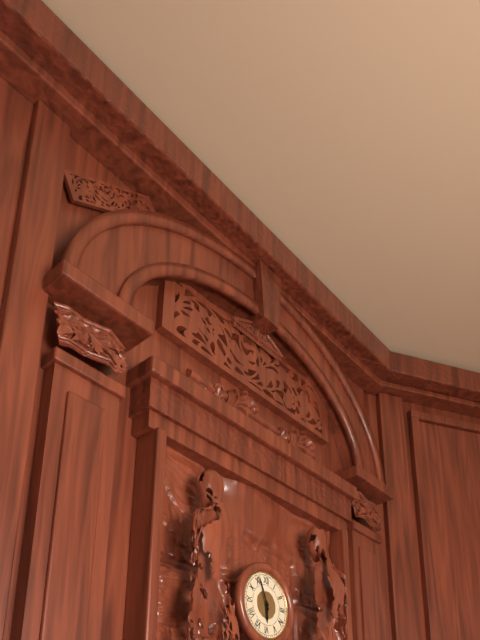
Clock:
5:56
